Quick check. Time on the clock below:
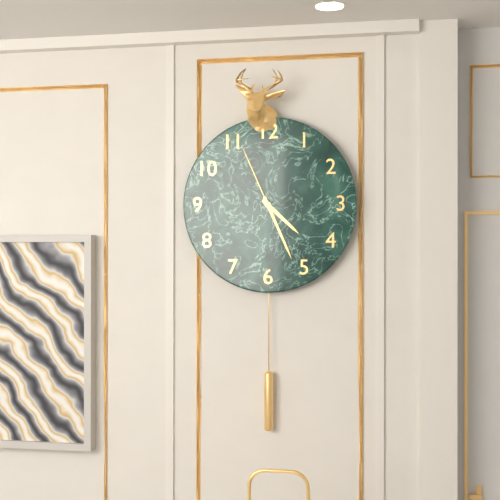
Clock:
4:26:56
